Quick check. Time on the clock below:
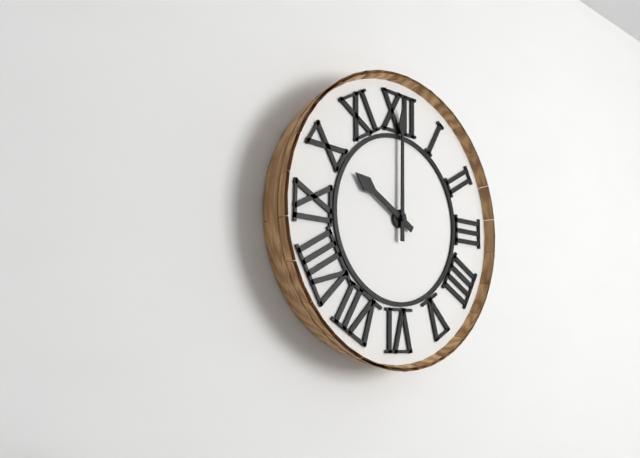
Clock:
10:00
